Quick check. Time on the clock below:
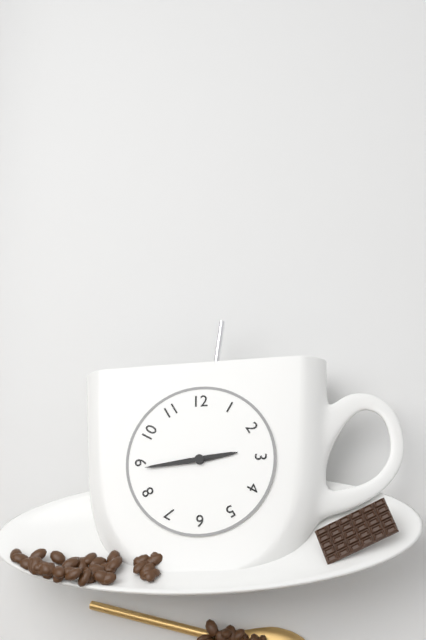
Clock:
2:44
